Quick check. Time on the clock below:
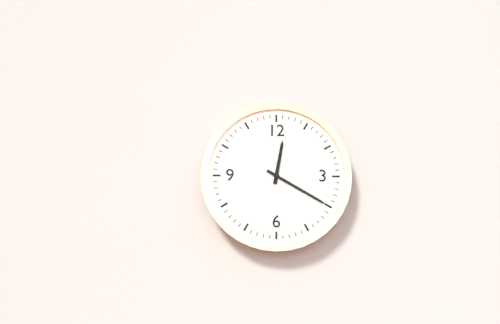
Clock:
12:20
